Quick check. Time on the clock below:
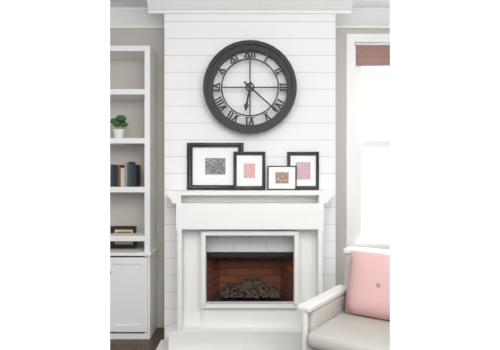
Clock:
6:22
